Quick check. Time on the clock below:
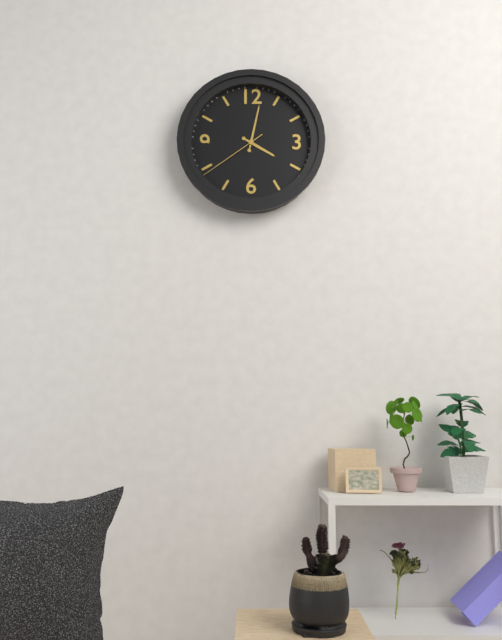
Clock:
4:02:39
